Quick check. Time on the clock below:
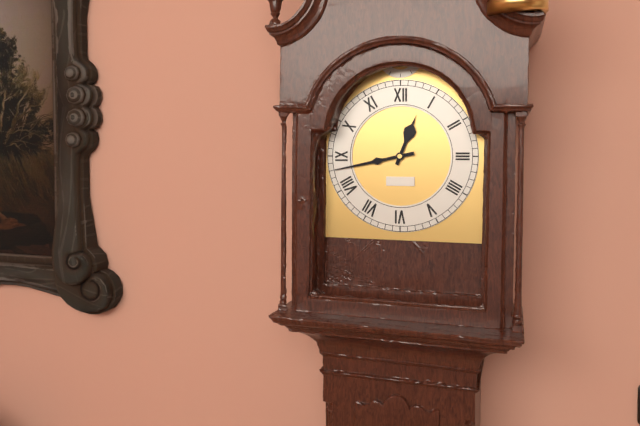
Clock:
12:43
